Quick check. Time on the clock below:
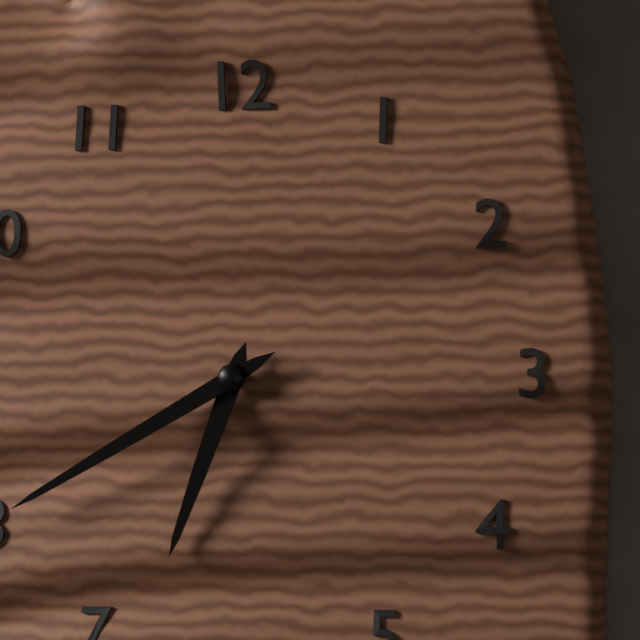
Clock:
6:40
